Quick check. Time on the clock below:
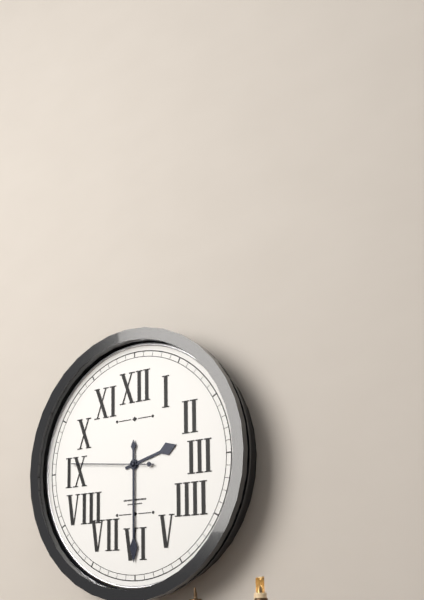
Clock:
2:30:46
